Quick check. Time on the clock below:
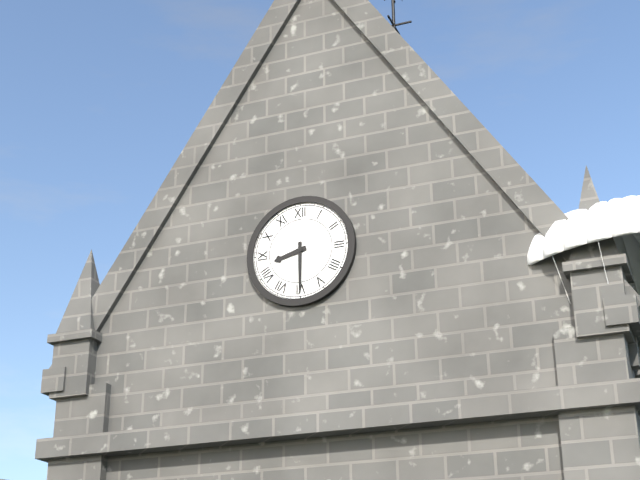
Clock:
8:30
